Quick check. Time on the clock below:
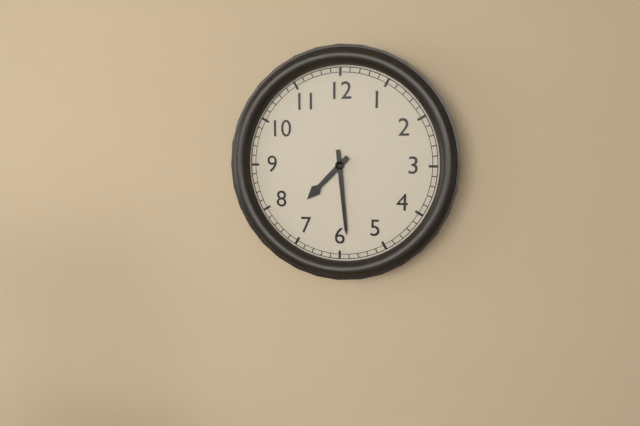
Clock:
7:29
